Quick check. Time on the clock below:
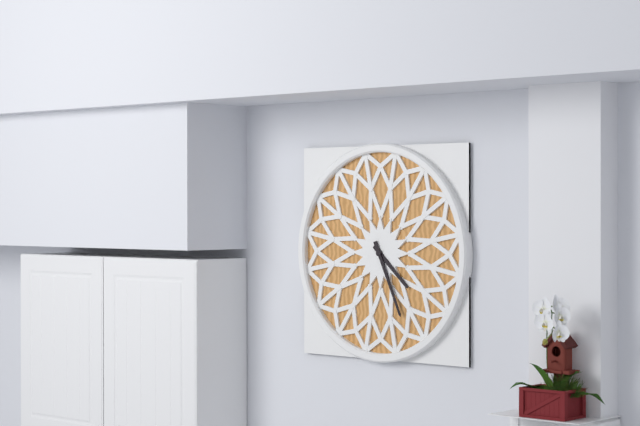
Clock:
4:26
